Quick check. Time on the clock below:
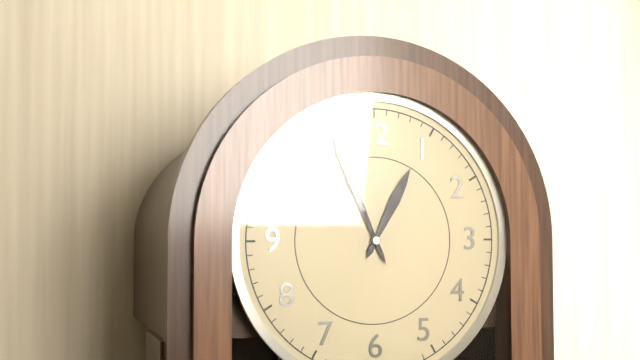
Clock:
12:56
